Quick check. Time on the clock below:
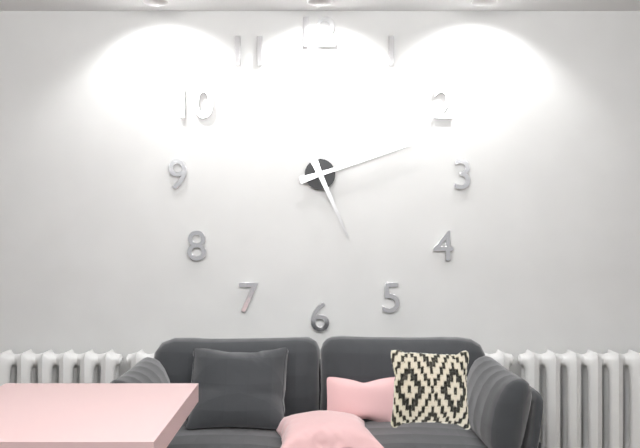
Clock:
5:12
